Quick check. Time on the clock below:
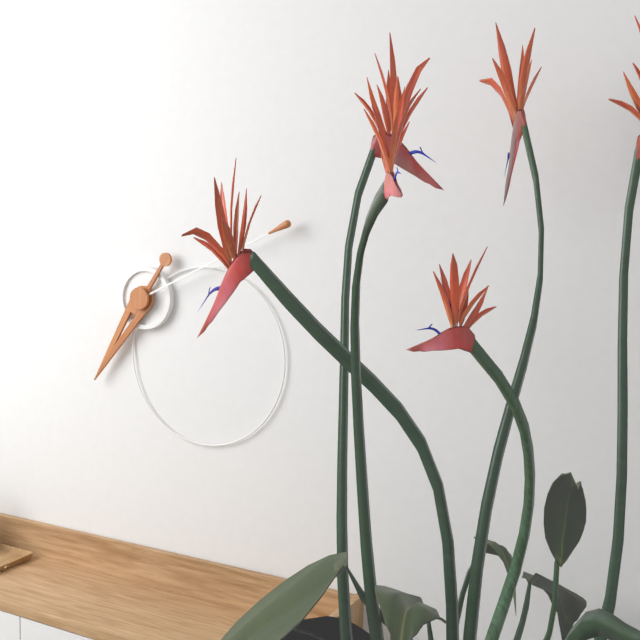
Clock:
7:11
